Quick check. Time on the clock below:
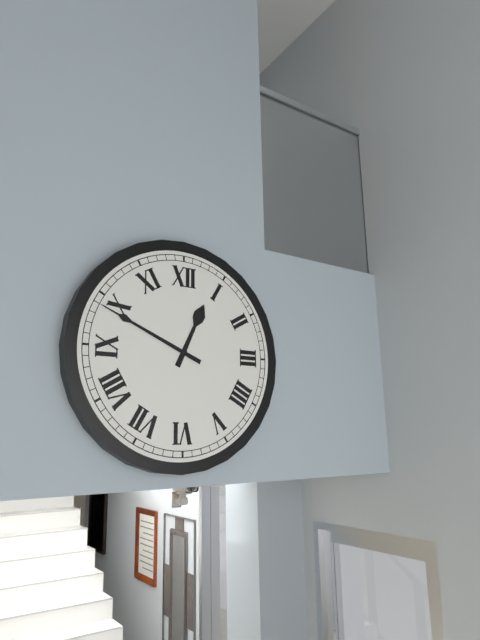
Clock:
12:49
